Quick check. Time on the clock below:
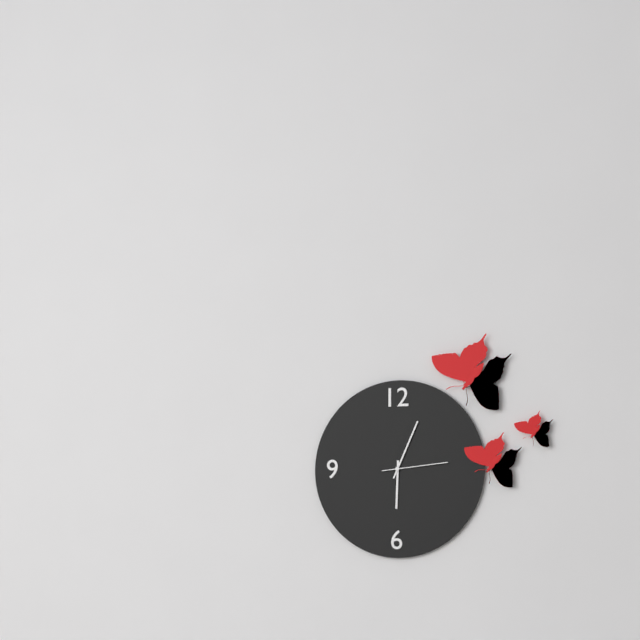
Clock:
6:04:14
